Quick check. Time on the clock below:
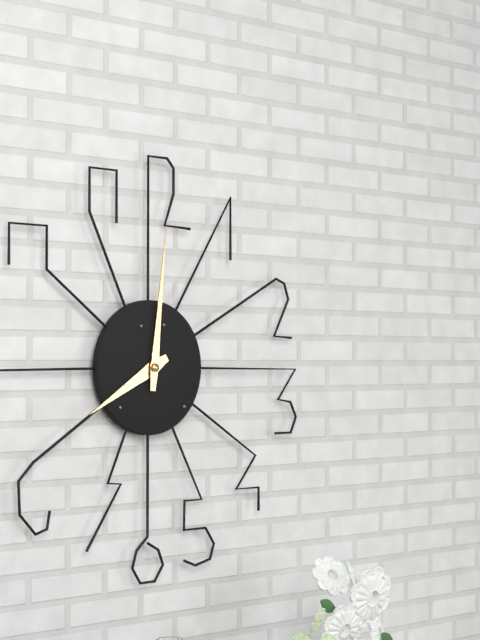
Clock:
8:01
